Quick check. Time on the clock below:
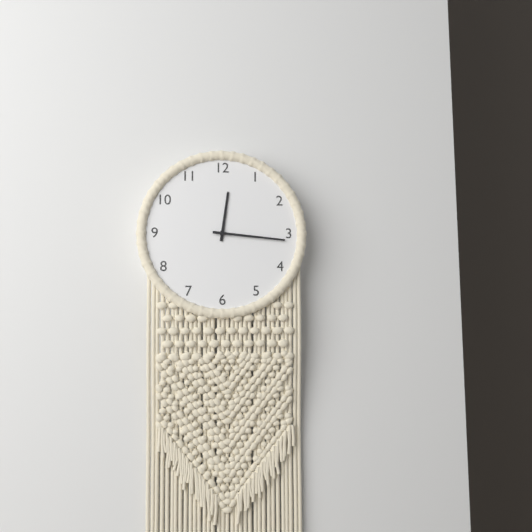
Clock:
12:16
